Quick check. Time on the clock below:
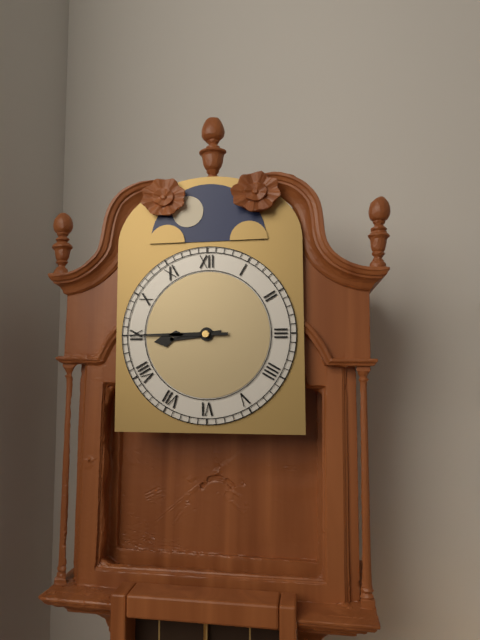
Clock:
8:45
